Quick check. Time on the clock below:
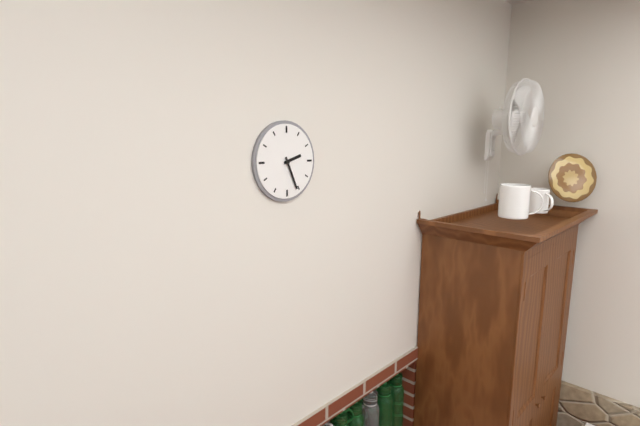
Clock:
2:26
